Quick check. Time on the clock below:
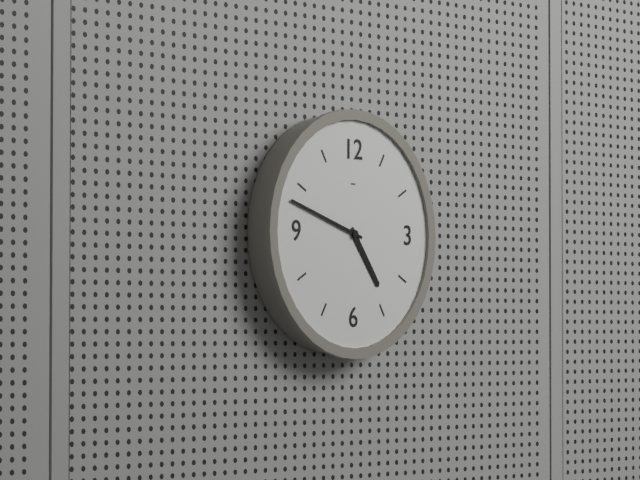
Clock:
4:48
